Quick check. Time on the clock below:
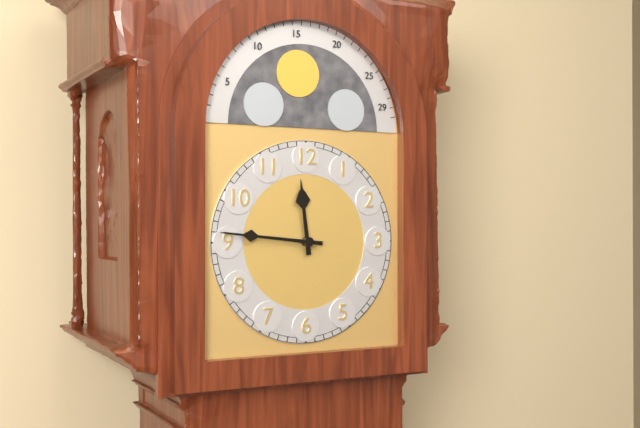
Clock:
11:46
